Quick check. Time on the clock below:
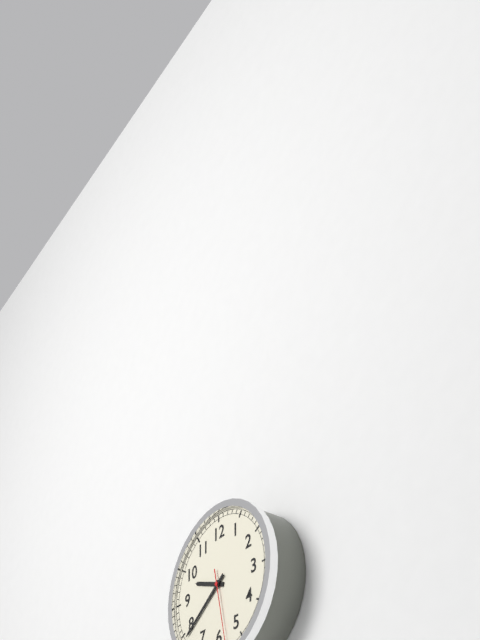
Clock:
9:39
